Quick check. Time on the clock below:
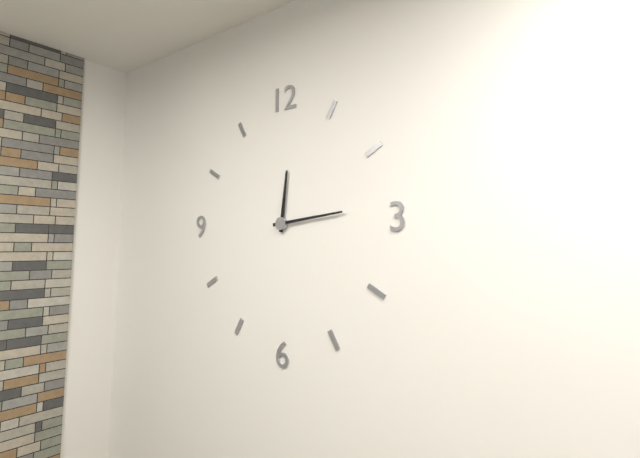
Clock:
12:14
